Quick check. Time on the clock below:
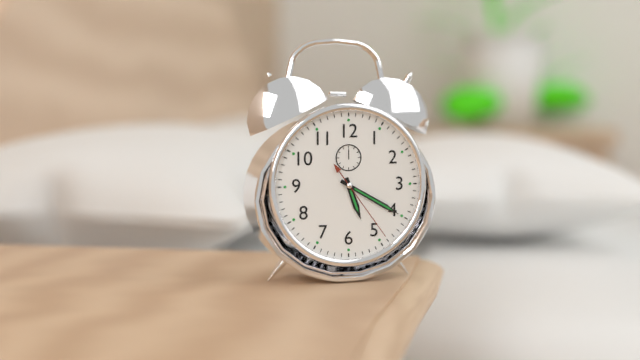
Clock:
5:20:24
